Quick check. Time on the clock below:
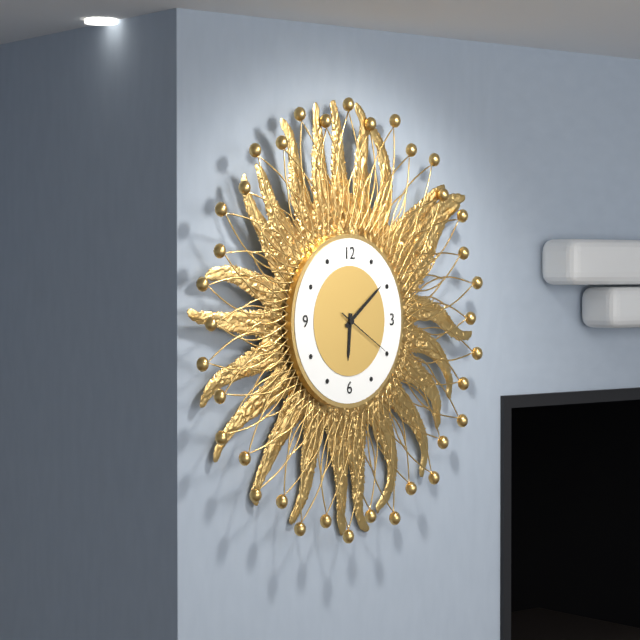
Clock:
6:09:20
